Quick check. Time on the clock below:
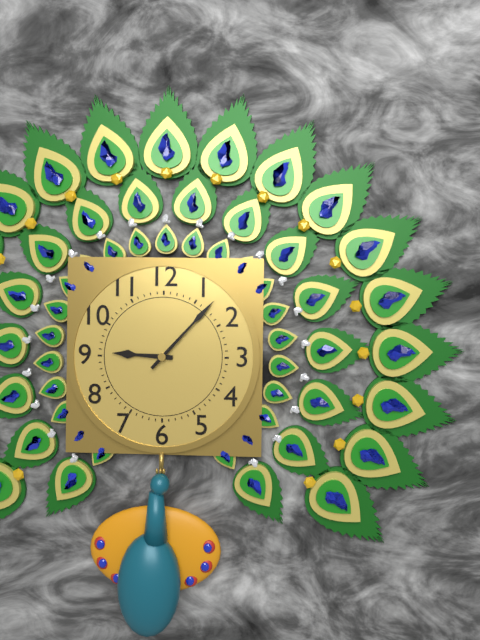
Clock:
9:07
